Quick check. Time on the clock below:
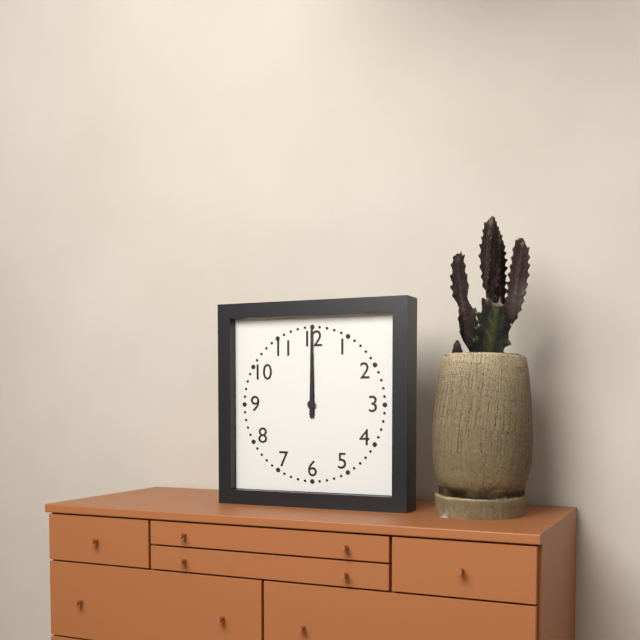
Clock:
12:00
